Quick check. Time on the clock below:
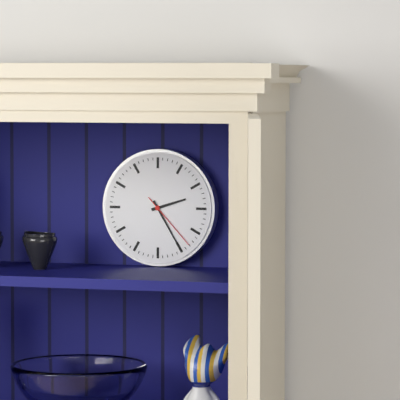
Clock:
2:25:23
